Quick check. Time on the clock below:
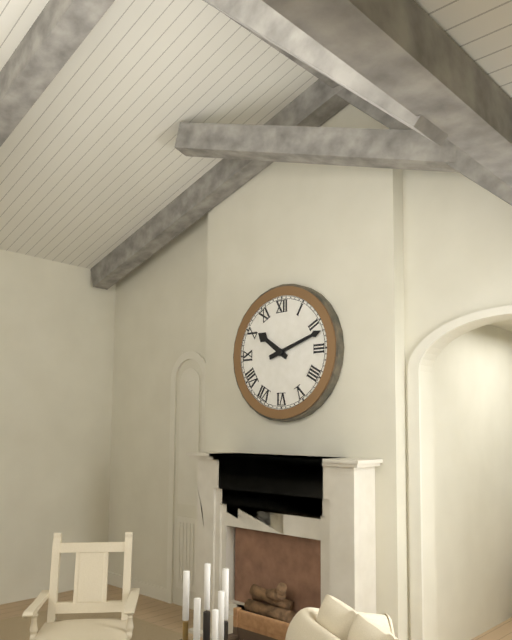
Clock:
10:12
